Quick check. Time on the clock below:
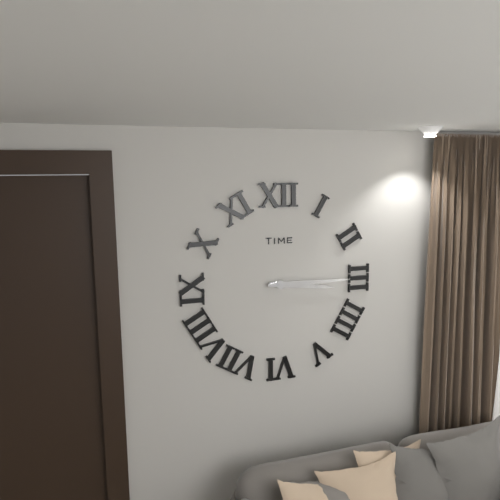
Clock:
3:15
